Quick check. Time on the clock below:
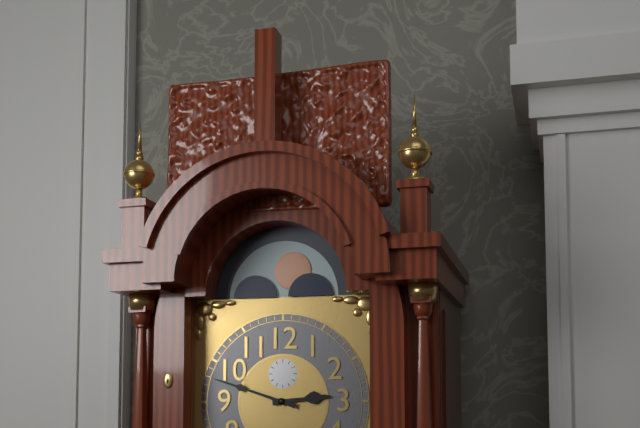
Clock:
2:48
